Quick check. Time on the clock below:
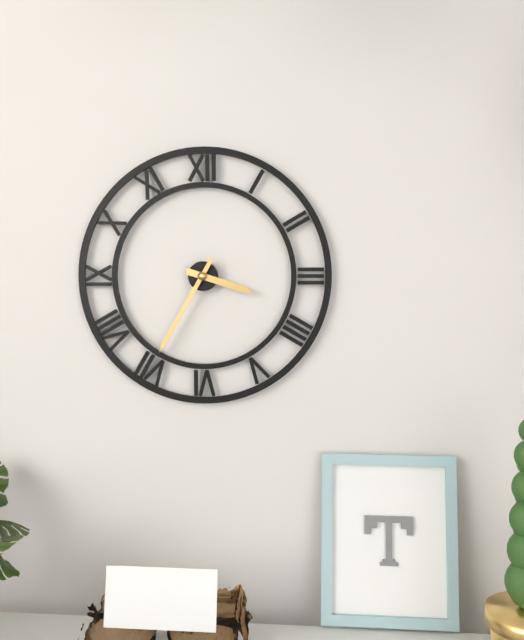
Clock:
3:35
